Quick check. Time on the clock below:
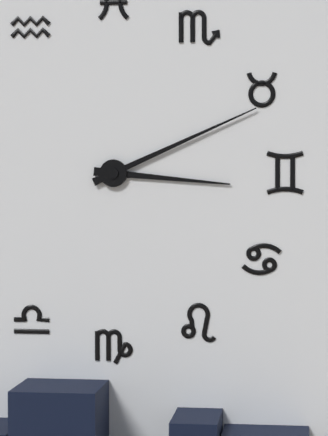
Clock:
3:11
